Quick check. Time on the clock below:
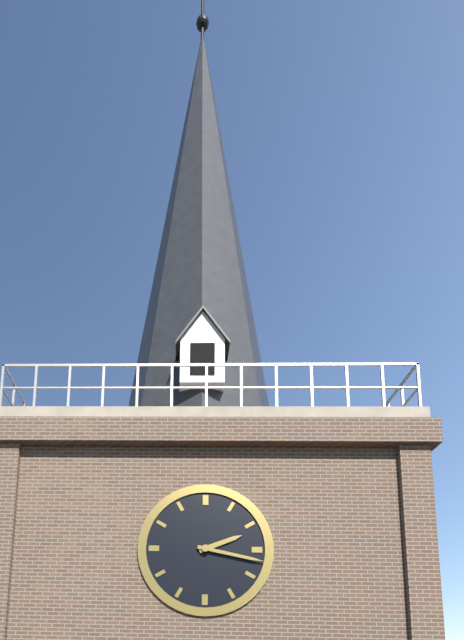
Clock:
2:17
